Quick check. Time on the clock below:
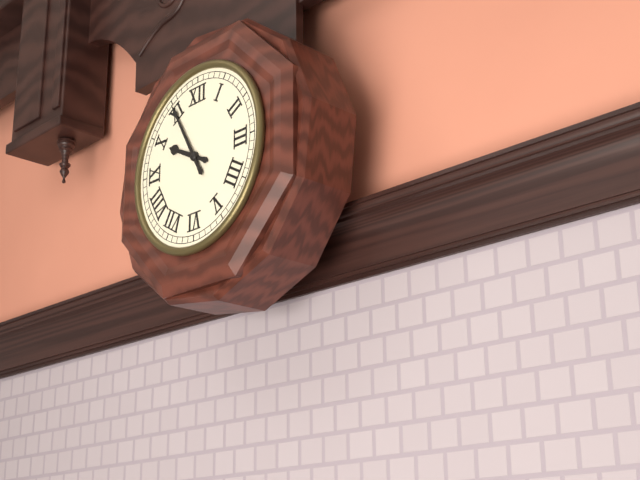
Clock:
9:55
